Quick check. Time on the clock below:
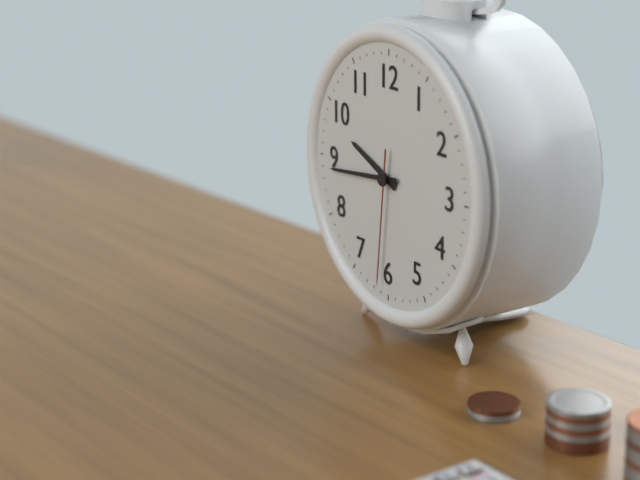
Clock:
9:44:31
